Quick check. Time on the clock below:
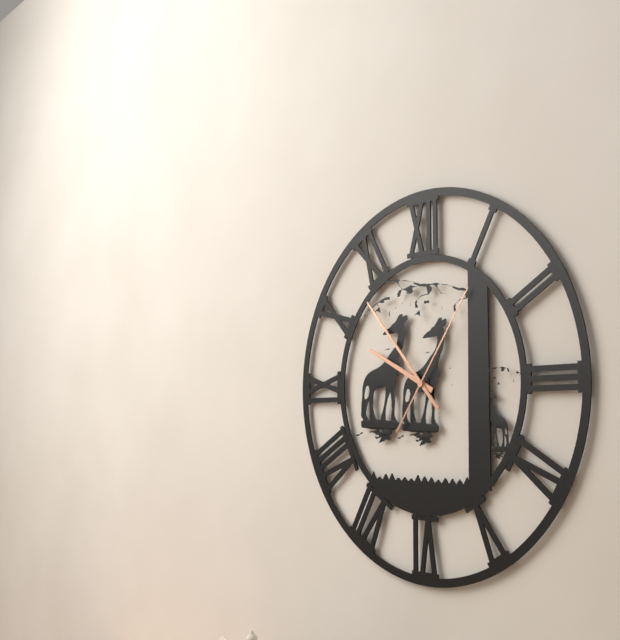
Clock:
9:53:06
